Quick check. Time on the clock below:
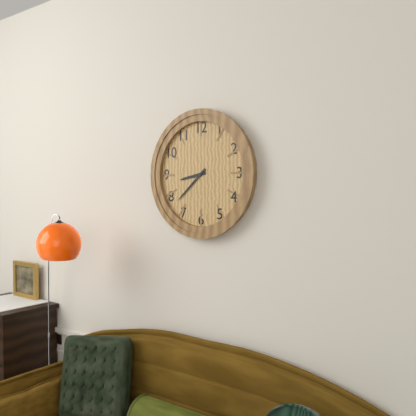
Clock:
8:38
